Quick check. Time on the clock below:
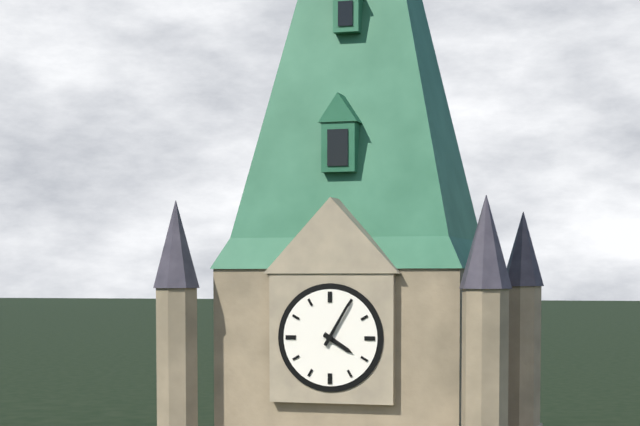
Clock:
4:05
